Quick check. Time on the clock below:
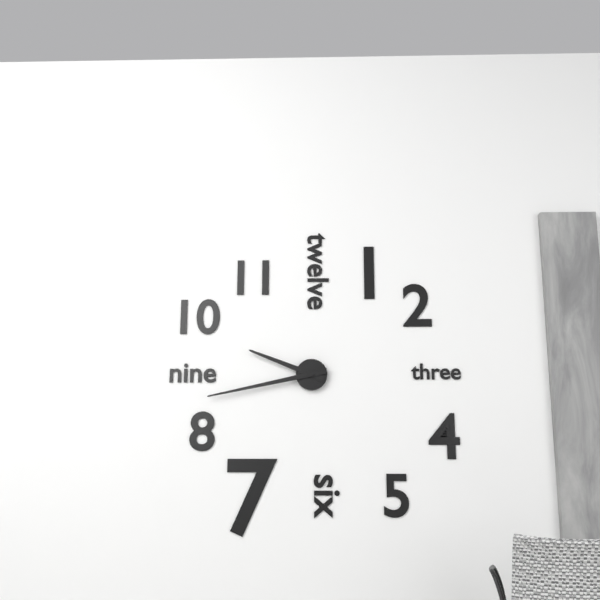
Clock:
9:43
